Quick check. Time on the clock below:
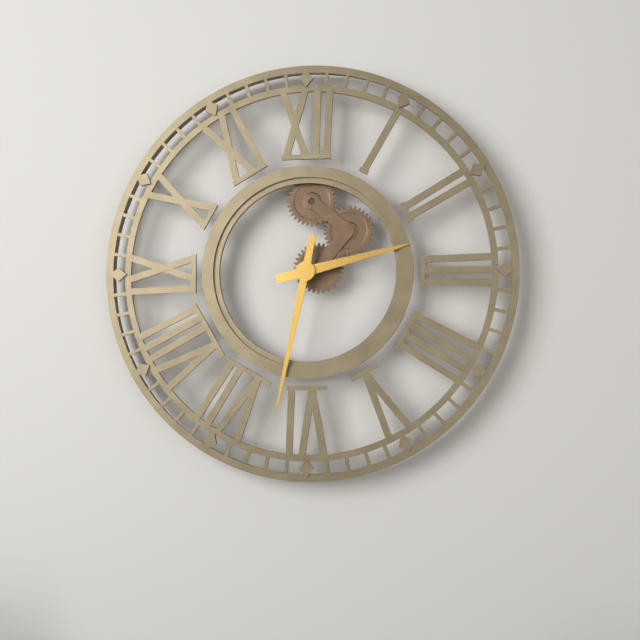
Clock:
2:32
